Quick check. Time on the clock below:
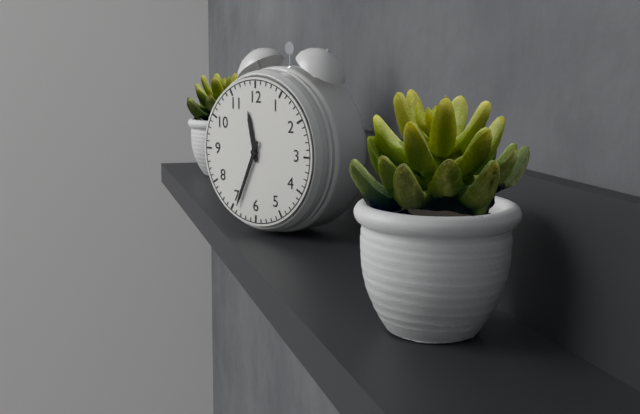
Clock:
11:34
